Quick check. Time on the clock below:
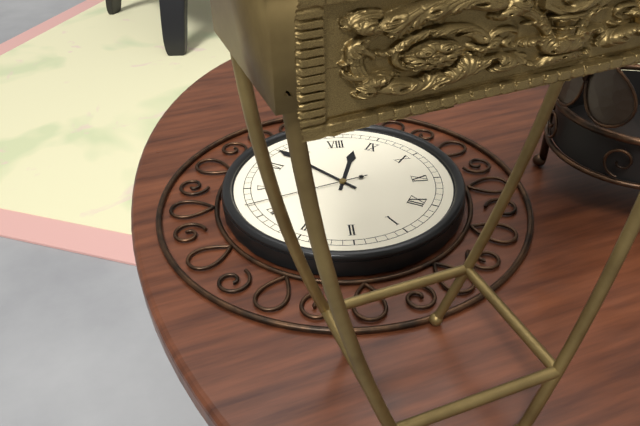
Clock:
8:33:22
